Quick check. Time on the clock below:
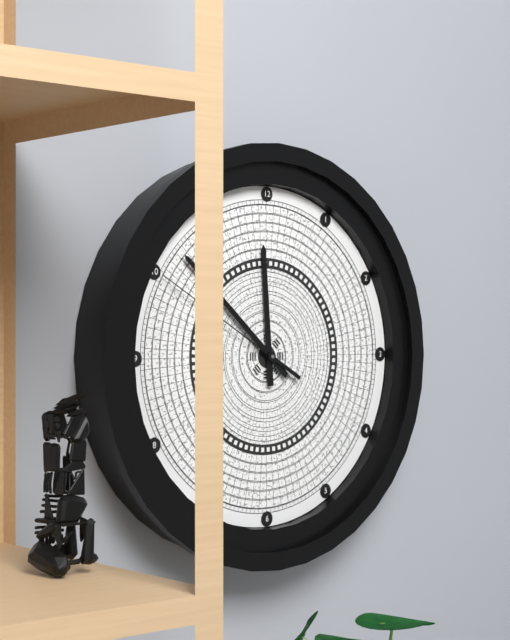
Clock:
11:52:50
